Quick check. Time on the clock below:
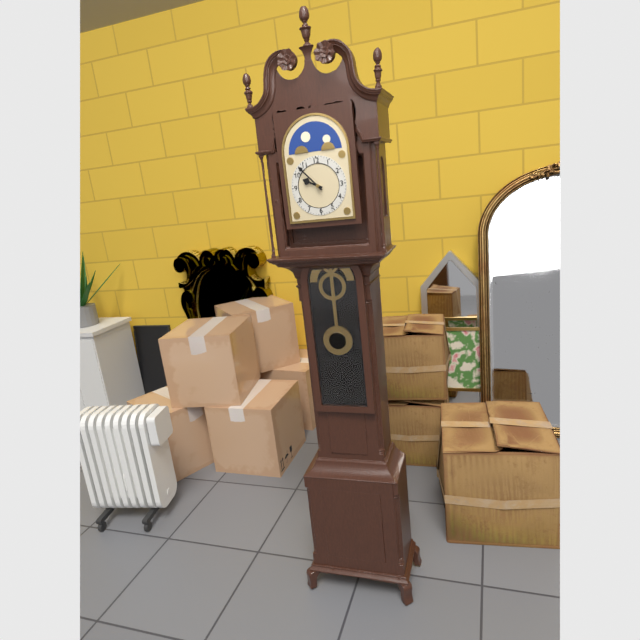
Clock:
9:53
